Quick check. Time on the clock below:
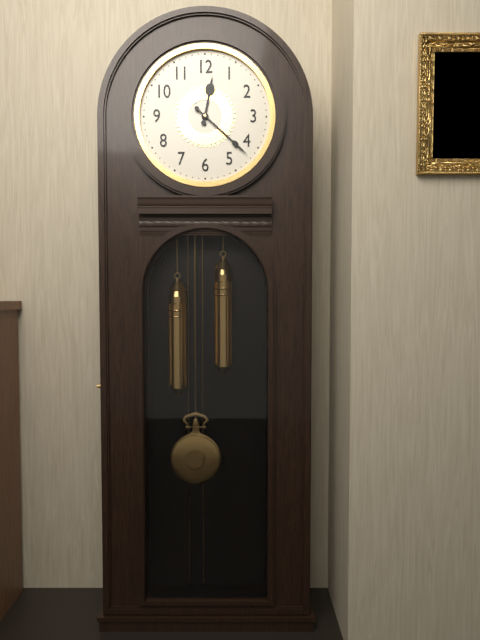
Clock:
12:22
